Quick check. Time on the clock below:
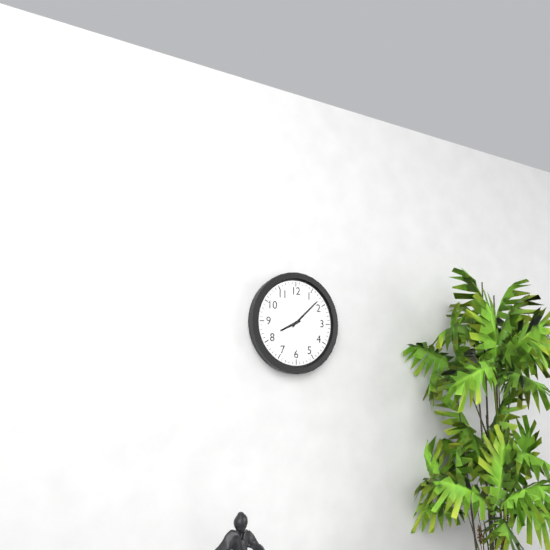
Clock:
8:08
